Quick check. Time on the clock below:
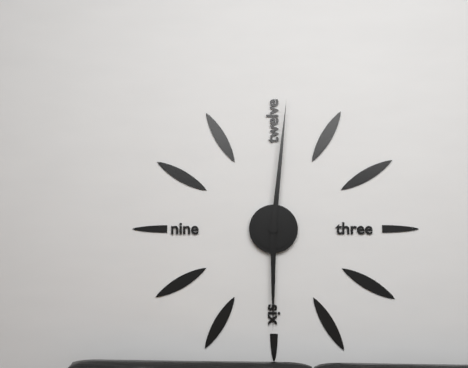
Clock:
6:01
